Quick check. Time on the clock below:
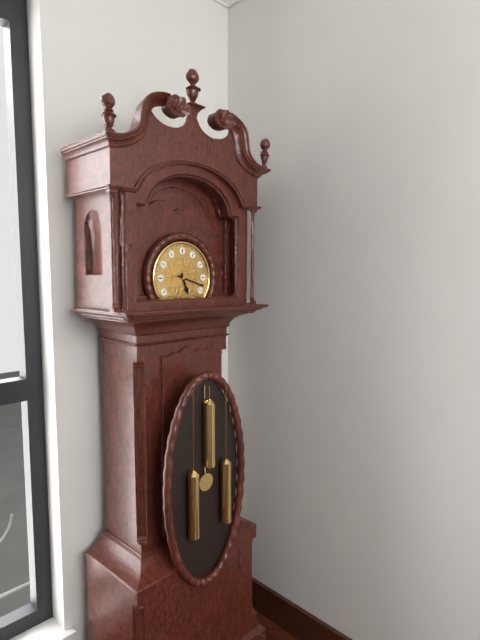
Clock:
5:18
